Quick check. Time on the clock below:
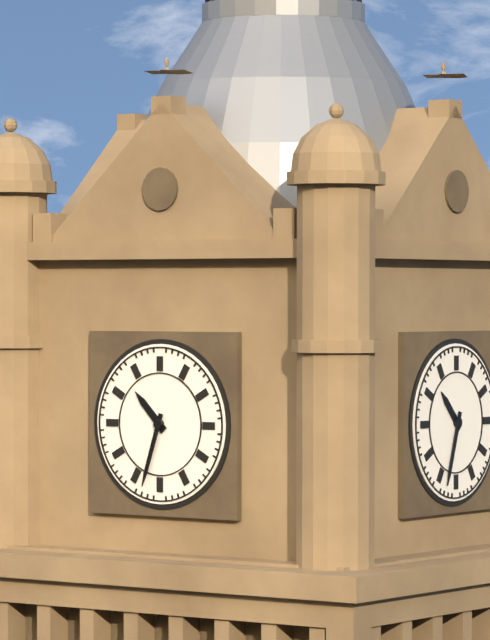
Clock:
10:33
